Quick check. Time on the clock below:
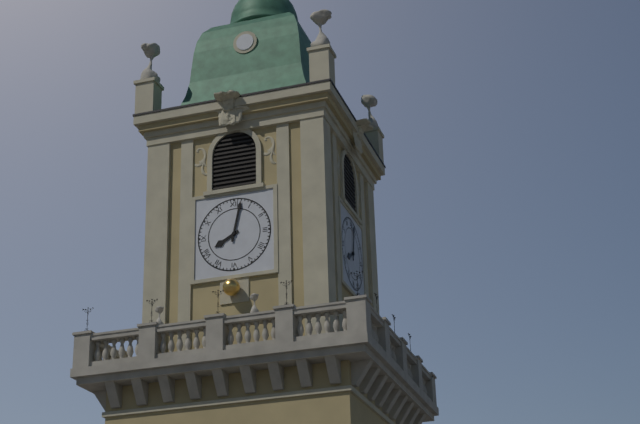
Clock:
8:02
